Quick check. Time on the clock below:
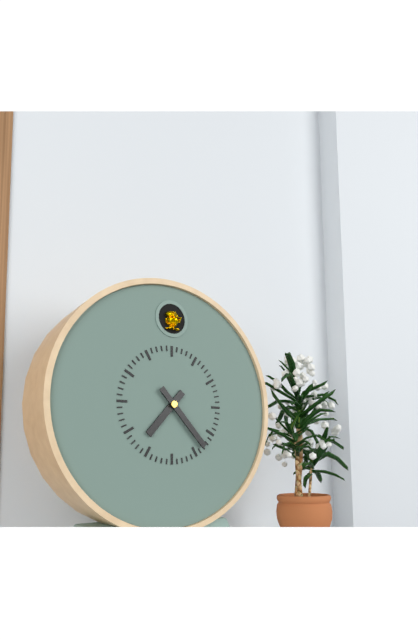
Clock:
7:23
